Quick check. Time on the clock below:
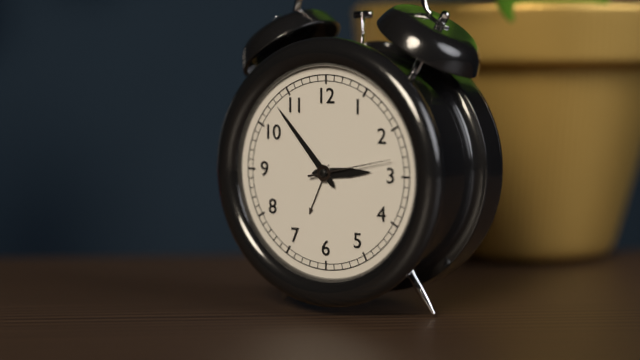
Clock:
2:53:13
